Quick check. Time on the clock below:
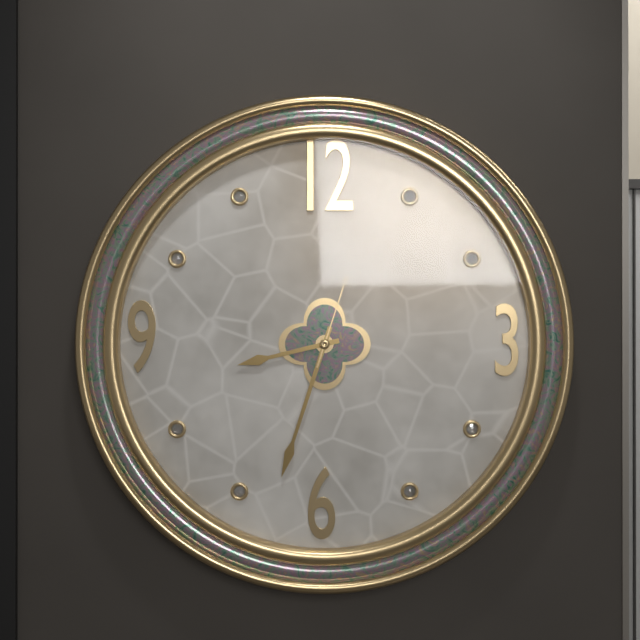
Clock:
8:33:03
